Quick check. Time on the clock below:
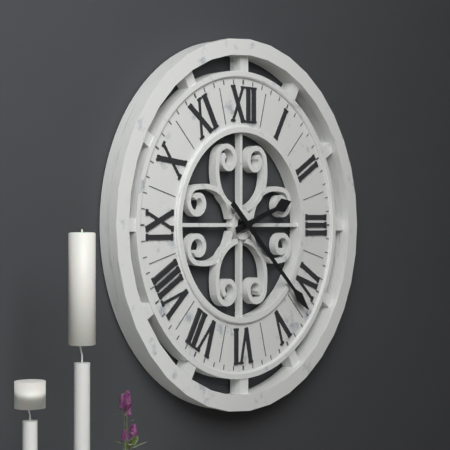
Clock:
2:22
